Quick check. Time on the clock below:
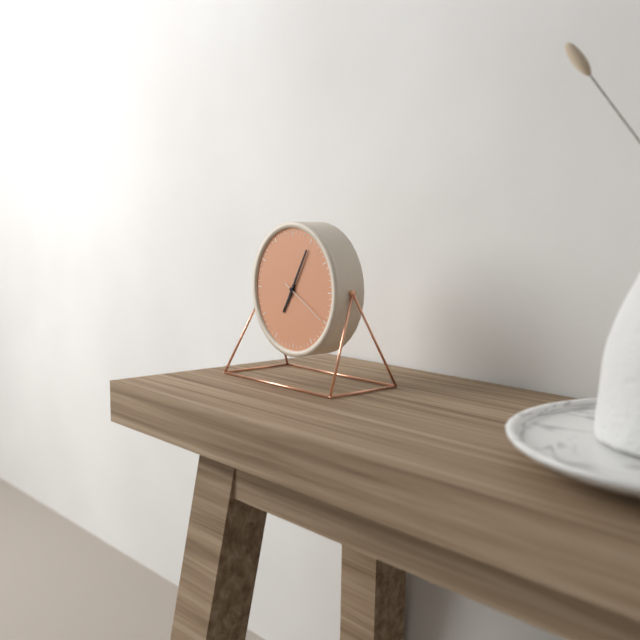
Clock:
7:05:20
